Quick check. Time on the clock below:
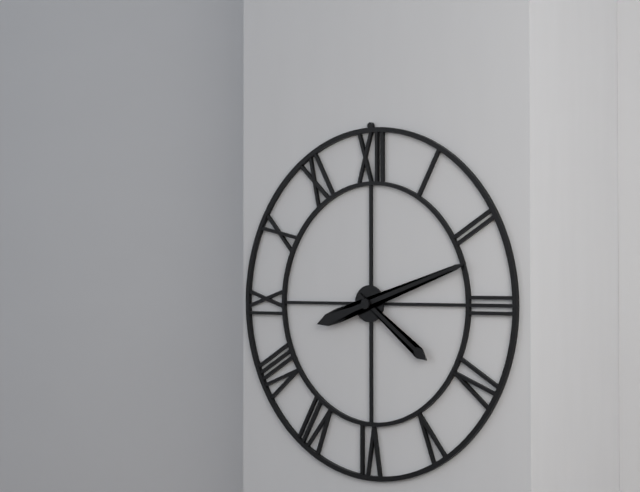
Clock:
4:12
